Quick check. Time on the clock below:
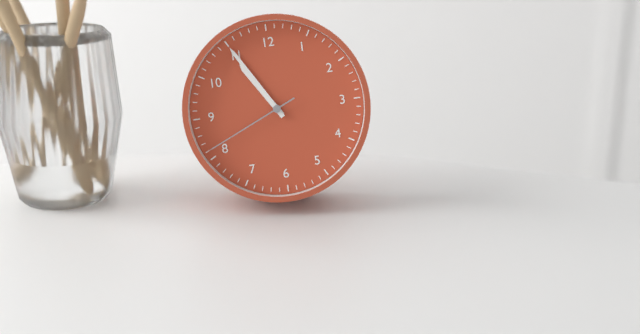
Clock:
10:55:41
